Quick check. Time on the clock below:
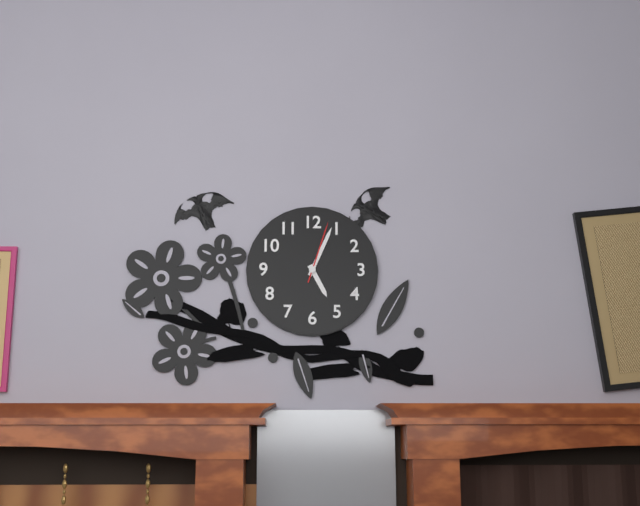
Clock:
5:04:03
